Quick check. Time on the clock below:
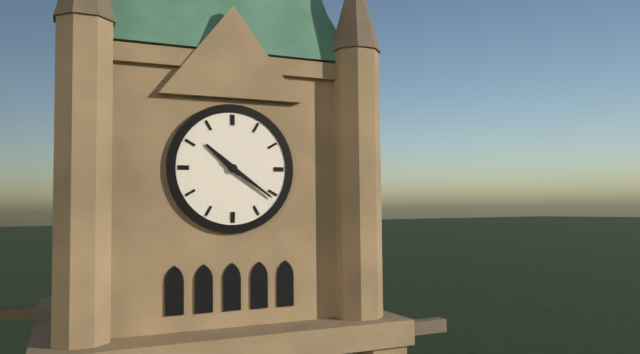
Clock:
10:21
